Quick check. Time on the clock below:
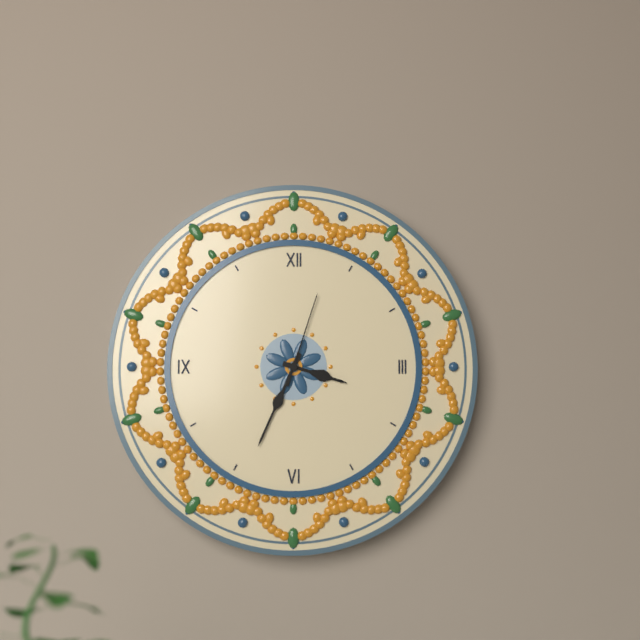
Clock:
3:34:03
